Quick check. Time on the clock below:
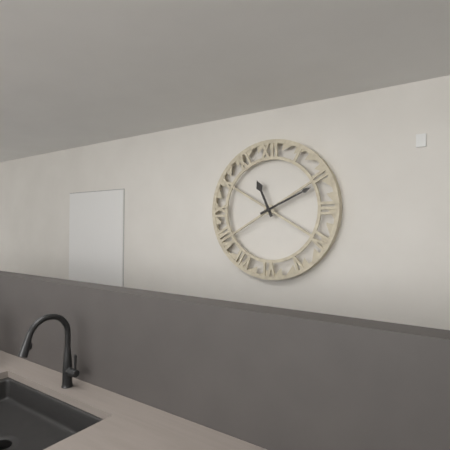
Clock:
11:11
